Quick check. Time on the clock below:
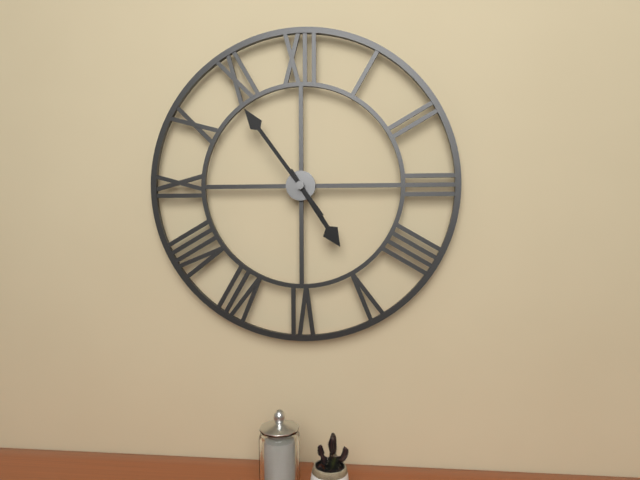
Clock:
4:54
